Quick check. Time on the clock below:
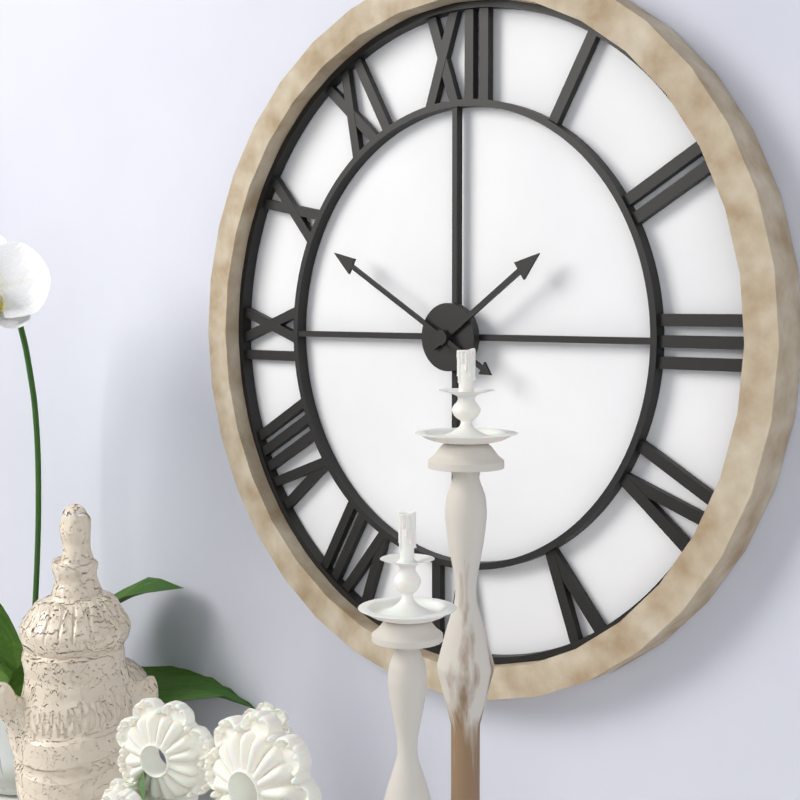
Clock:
1:50
